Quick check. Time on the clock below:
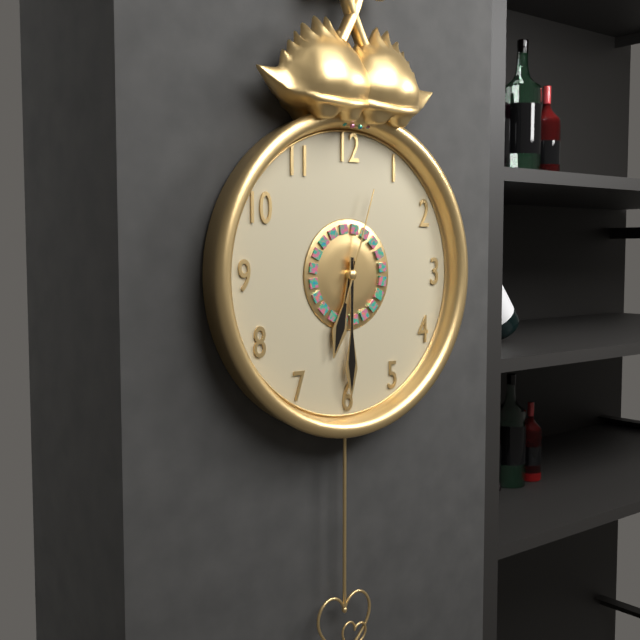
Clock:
6:30:03
